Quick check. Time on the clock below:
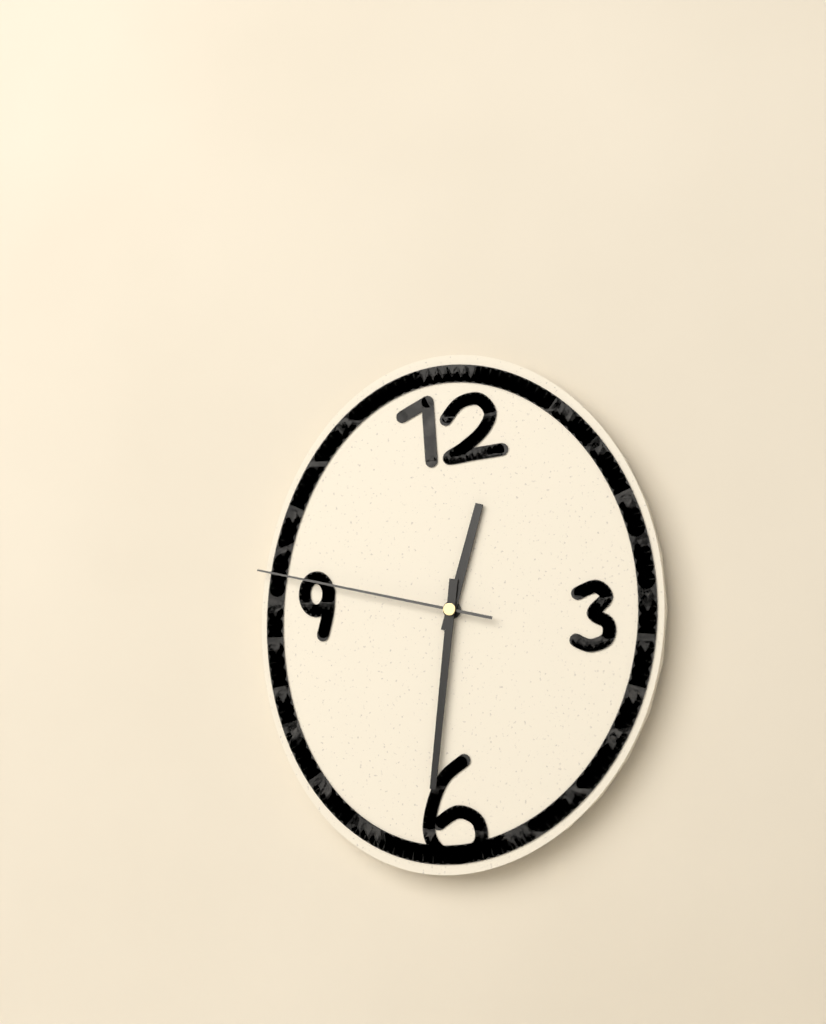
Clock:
12:31:47
